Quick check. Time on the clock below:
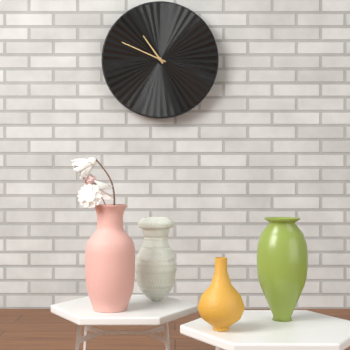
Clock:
10:49
